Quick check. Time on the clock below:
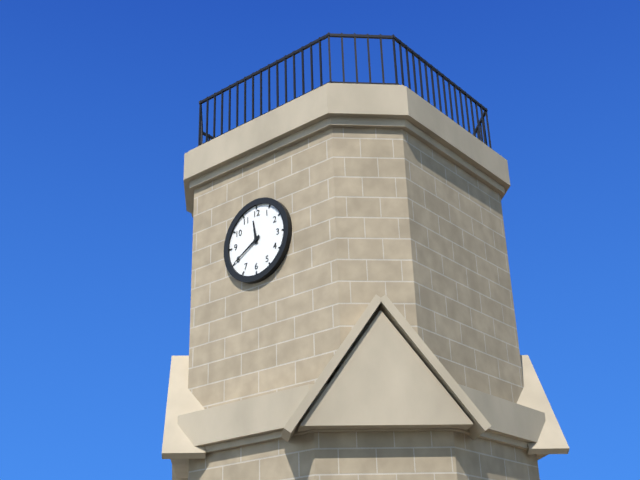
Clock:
11:40
